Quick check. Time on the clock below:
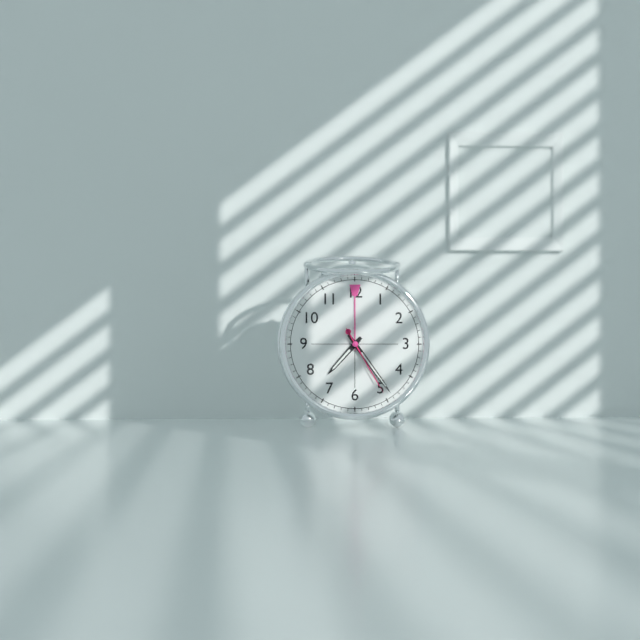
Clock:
7:24:25
